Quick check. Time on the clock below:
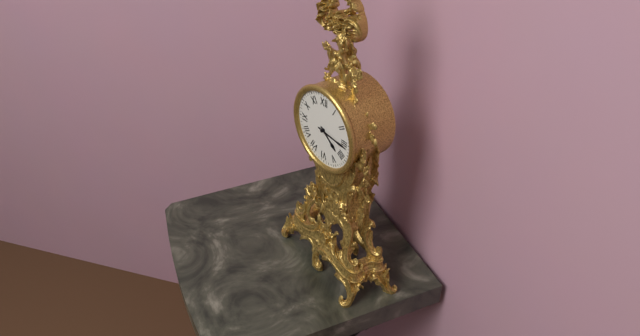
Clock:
4:16
